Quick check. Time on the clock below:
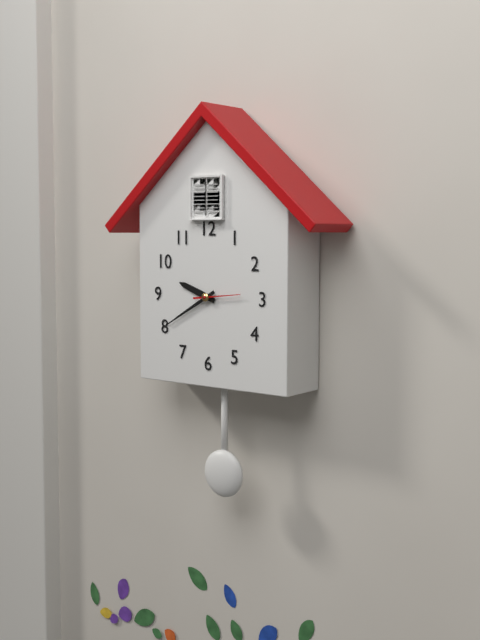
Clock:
9:40
